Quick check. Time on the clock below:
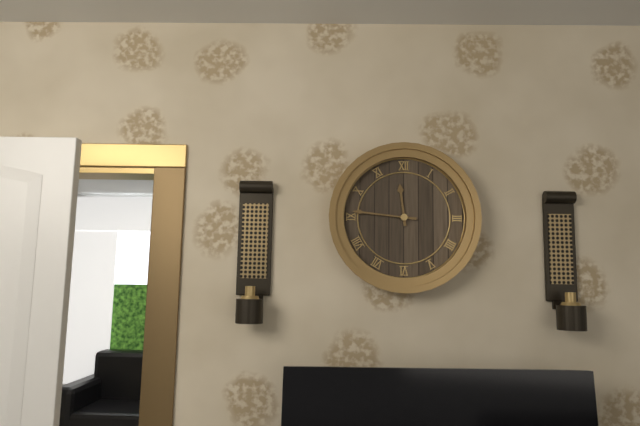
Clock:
11:46
